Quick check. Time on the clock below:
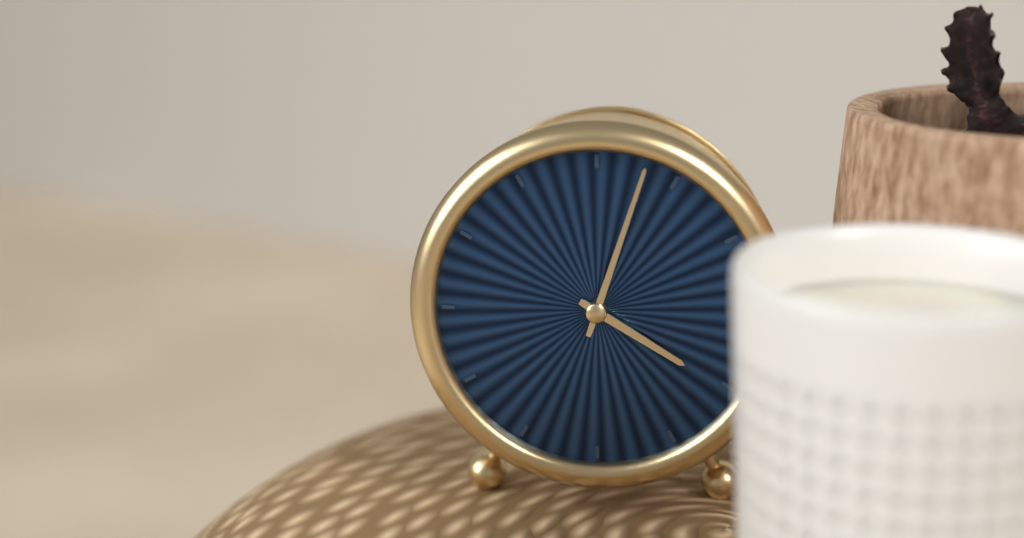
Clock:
4:03
